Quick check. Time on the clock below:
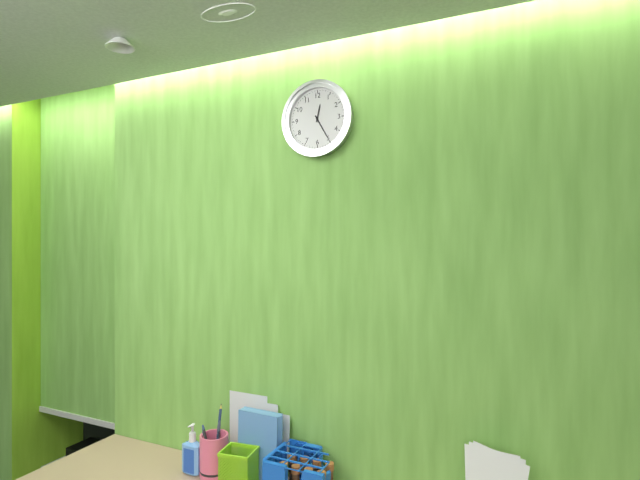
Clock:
12:25
